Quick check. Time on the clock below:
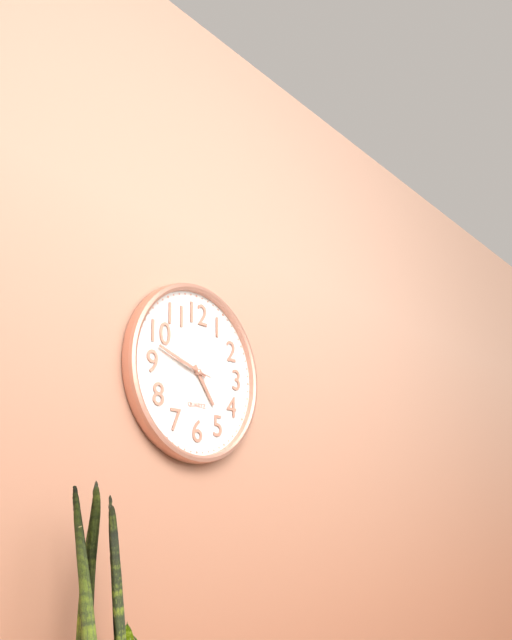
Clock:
4:48:47
